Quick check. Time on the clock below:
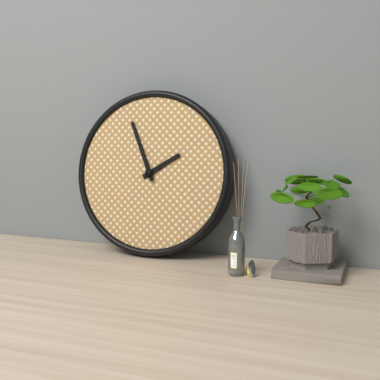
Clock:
1:56
